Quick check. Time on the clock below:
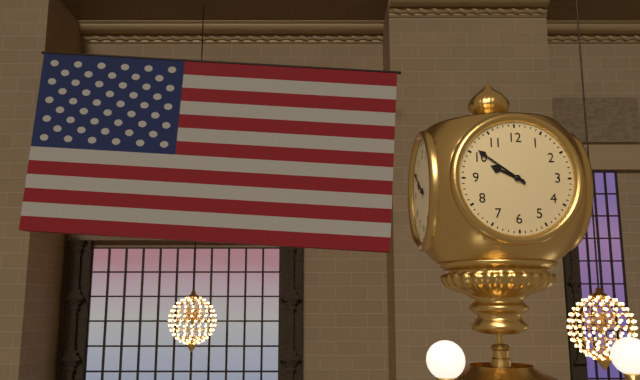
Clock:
9:51
